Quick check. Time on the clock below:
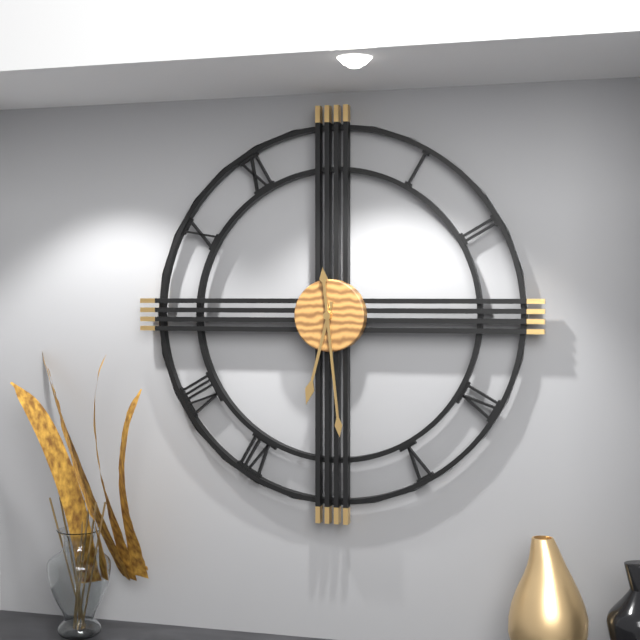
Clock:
6:29
